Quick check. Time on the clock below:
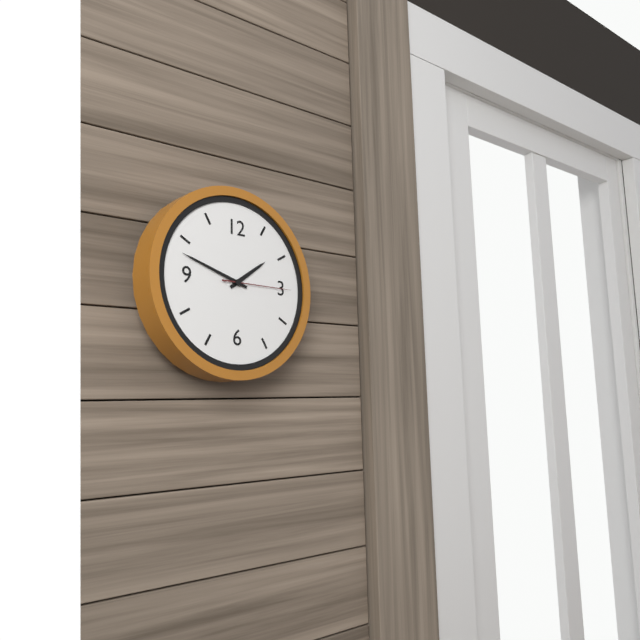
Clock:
1:48:15
